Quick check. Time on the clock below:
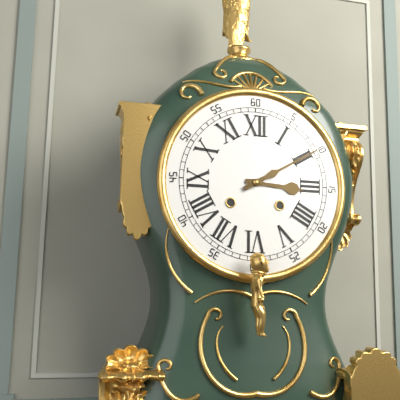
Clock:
3:10
